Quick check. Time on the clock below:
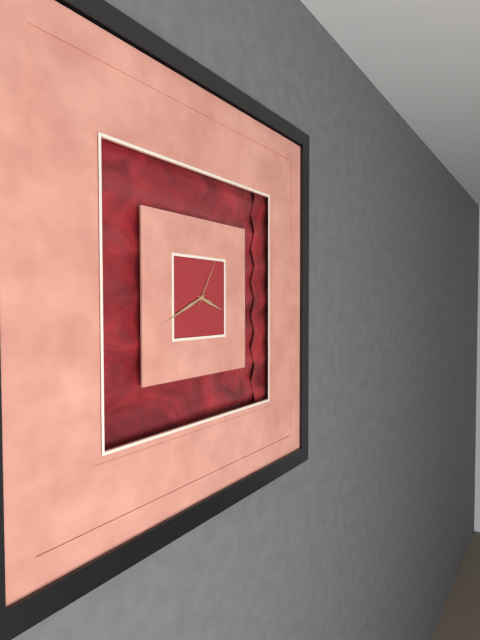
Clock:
3:41:05
